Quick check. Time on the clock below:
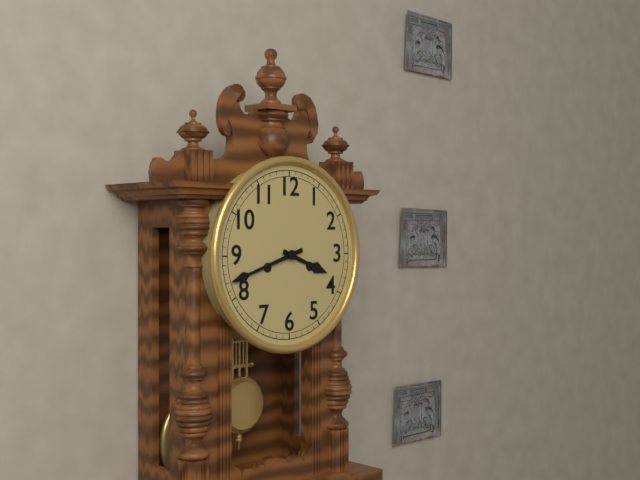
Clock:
3:42
